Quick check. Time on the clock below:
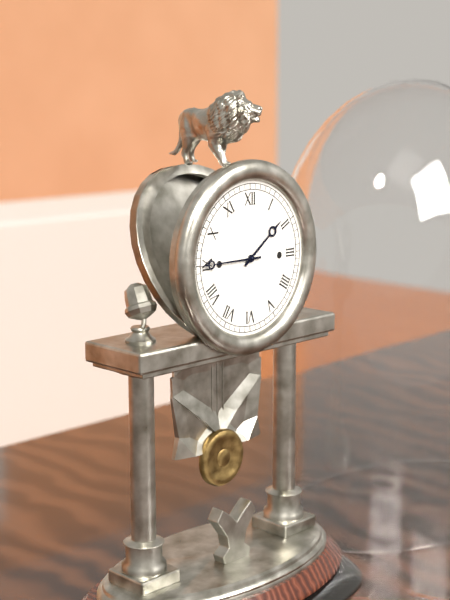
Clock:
1:45
